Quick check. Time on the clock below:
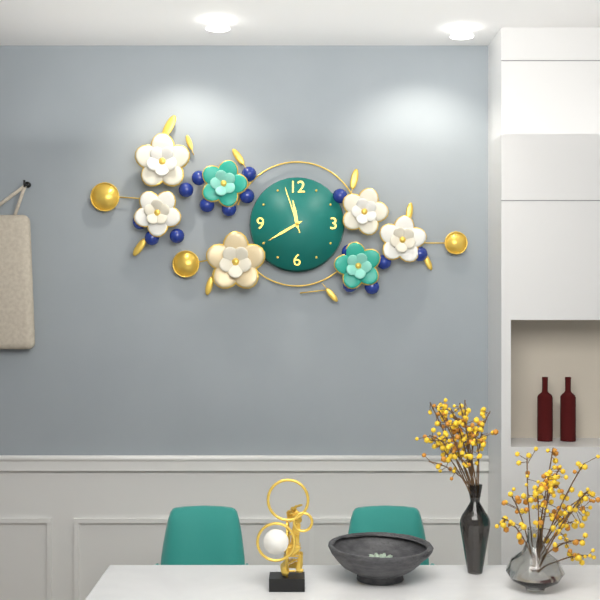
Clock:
11:40
